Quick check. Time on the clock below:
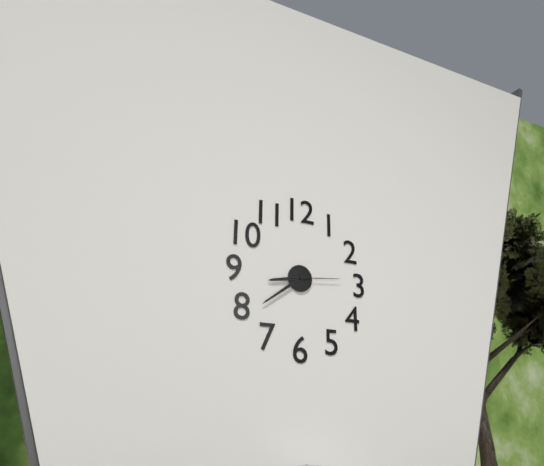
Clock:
8:39:14
